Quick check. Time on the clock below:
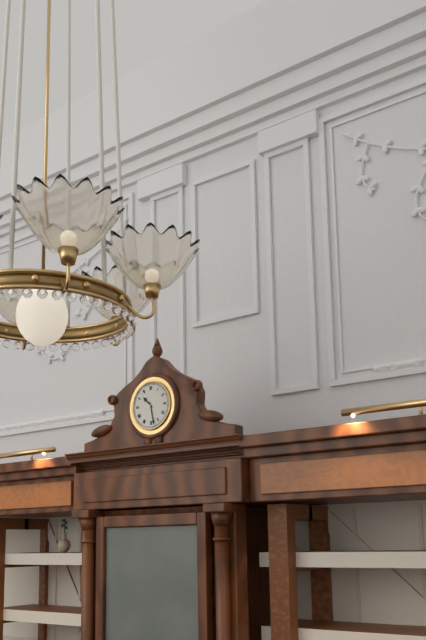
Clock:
10:28
